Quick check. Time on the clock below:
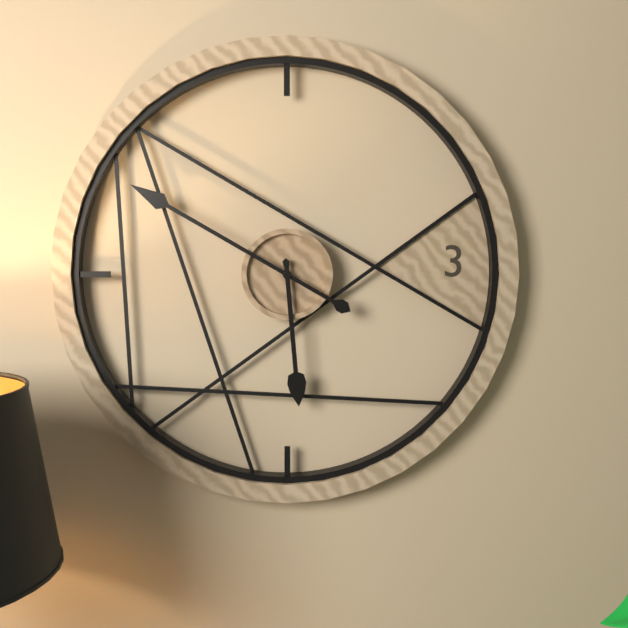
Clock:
5:50
